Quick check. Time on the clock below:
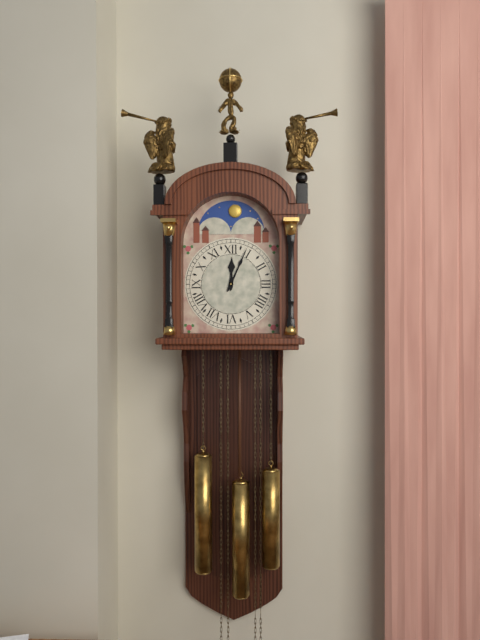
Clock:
12:04
